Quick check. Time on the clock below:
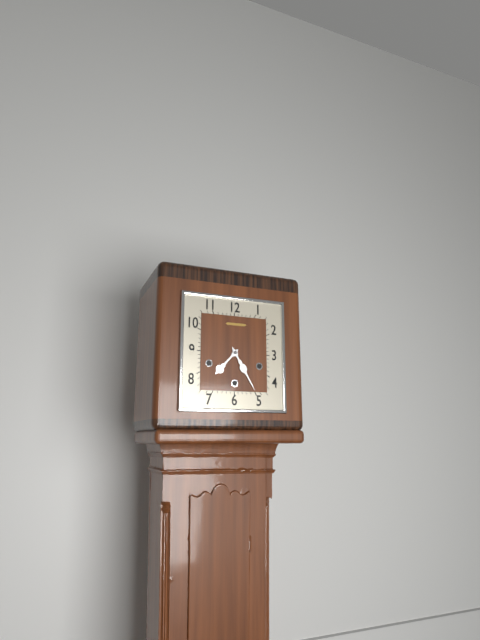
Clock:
7:25
